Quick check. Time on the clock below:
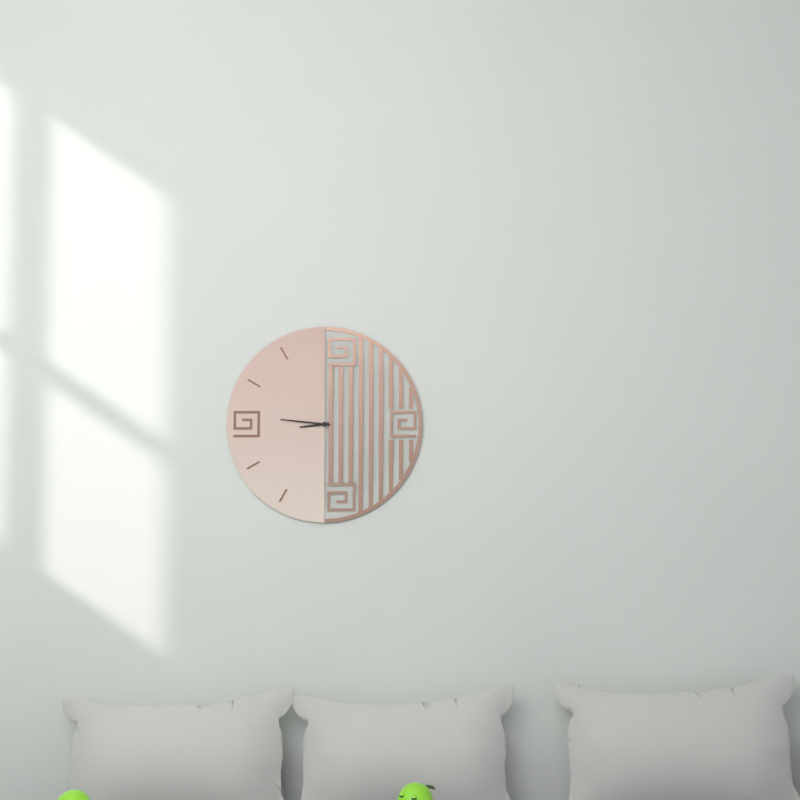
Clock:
8:46
